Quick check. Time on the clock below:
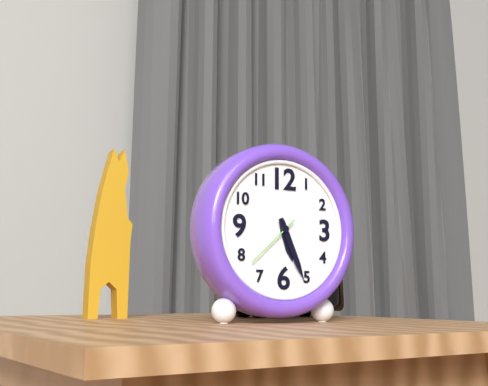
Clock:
5:26:38
